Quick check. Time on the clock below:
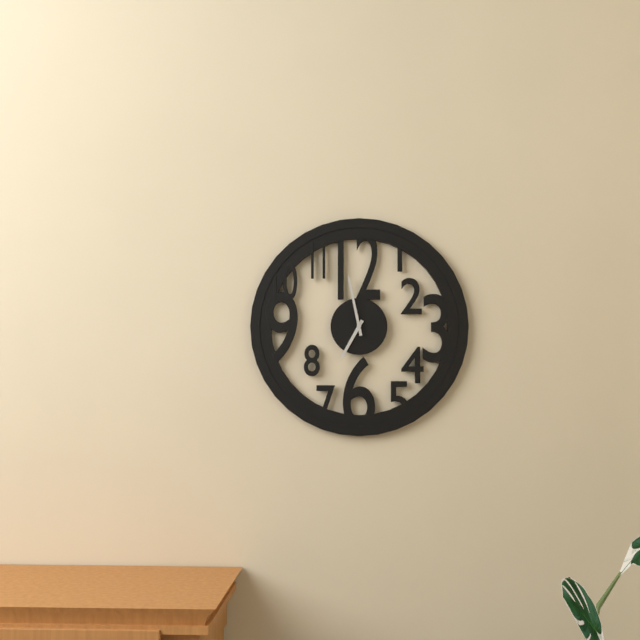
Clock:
6:58
